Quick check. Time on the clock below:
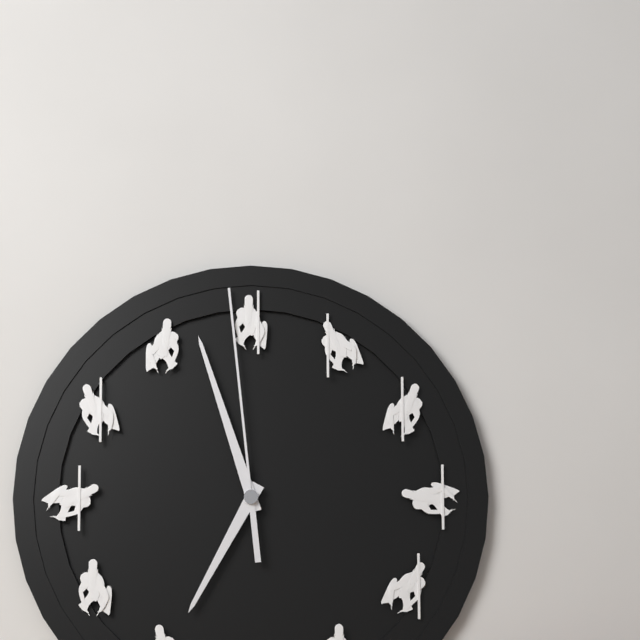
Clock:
6:57:59
